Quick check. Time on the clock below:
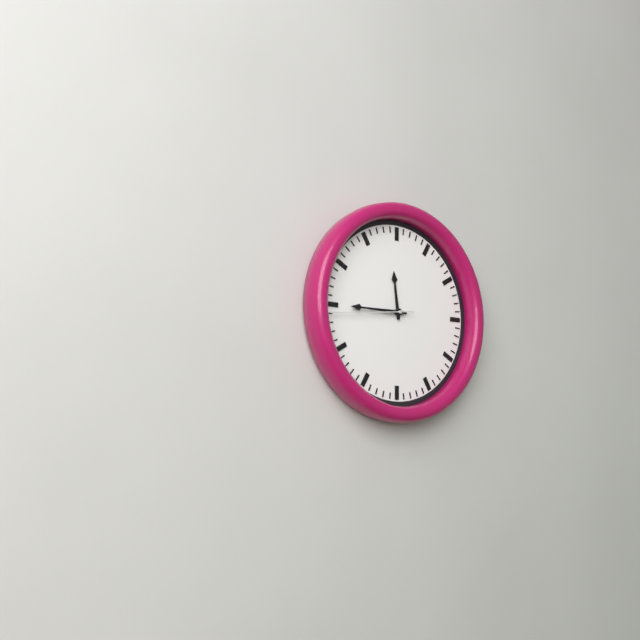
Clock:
11:45:44
